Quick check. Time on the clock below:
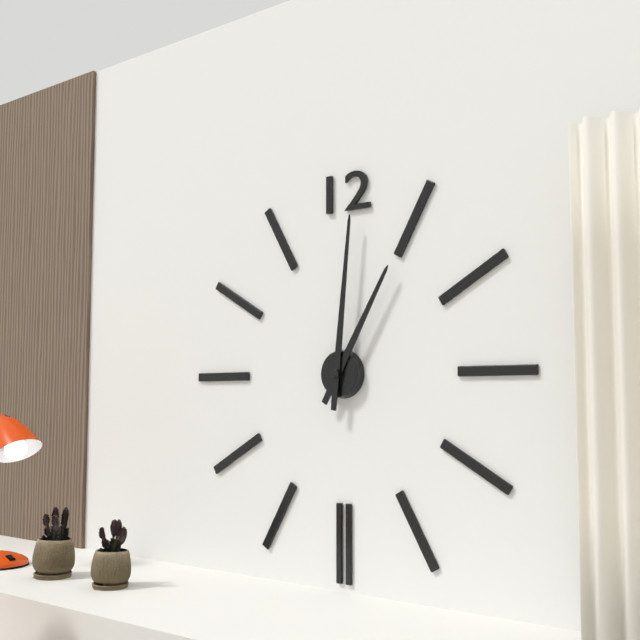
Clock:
1:01
